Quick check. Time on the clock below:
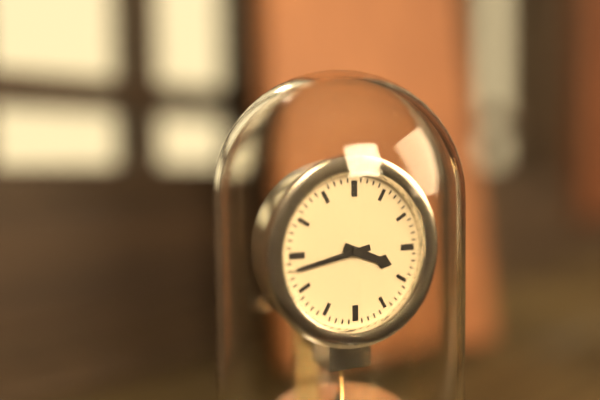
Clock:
3:43
